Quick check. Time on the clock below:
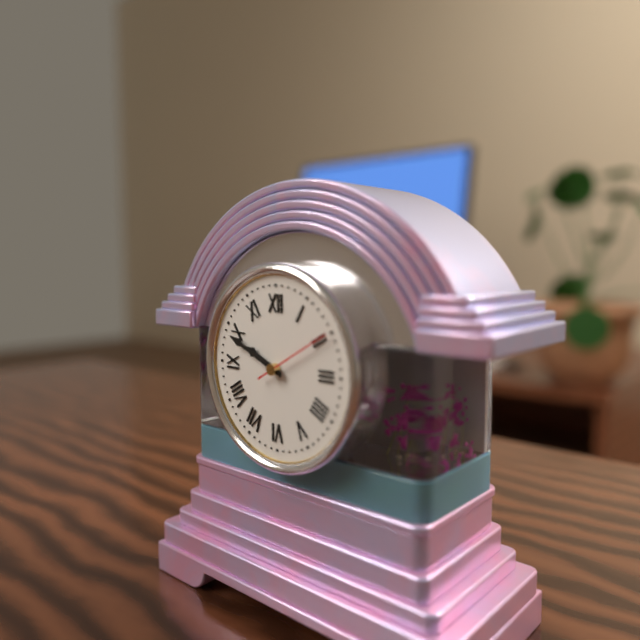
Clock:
9:49
